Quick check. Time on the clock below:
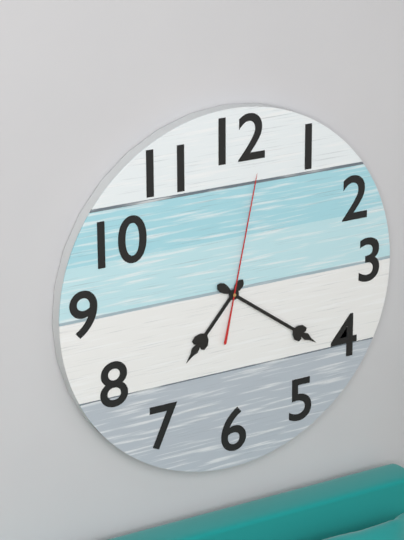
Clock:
7:21:02
